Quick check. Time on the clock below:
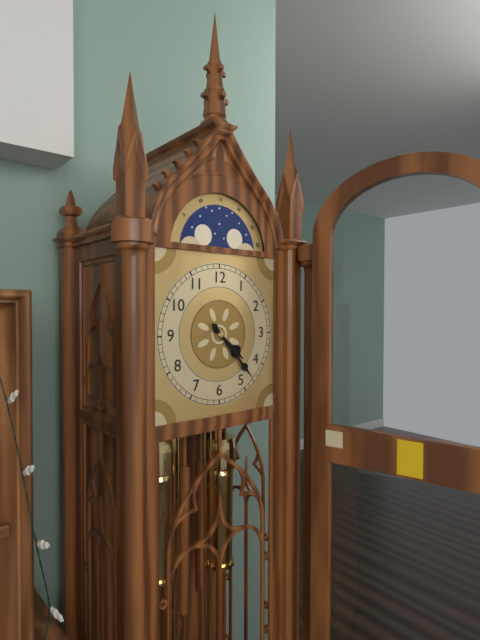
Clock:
4:23
